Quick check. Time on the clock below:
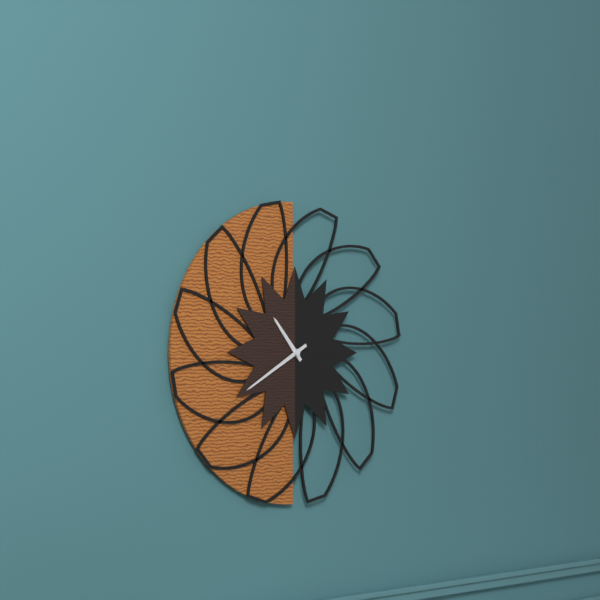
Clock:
10:40
